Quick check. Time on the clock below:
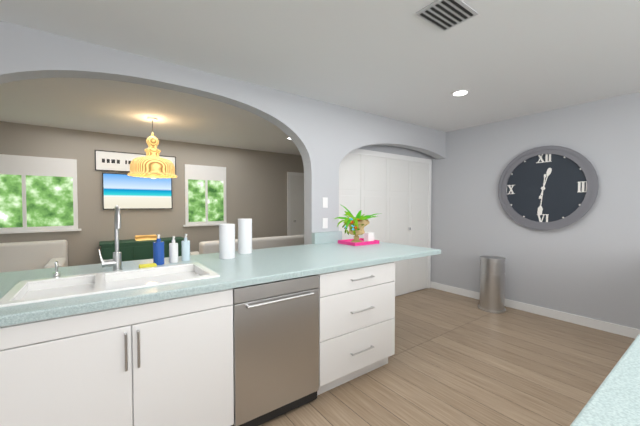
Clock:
12:31
